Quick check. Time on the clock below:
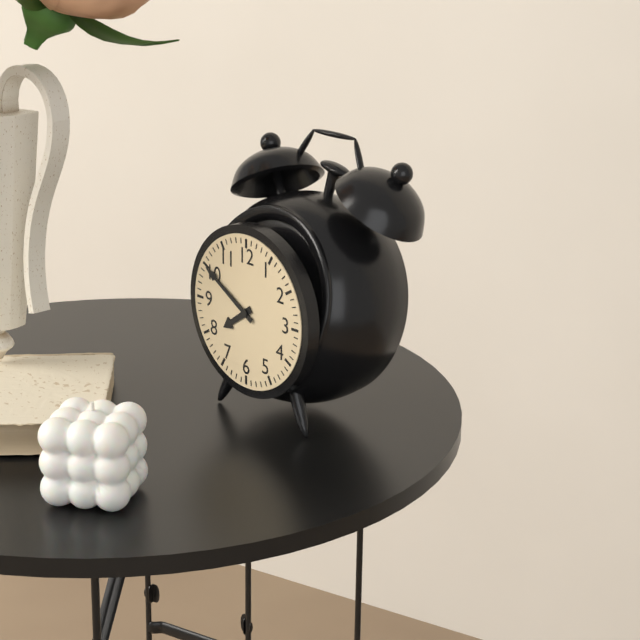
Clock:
7:50
